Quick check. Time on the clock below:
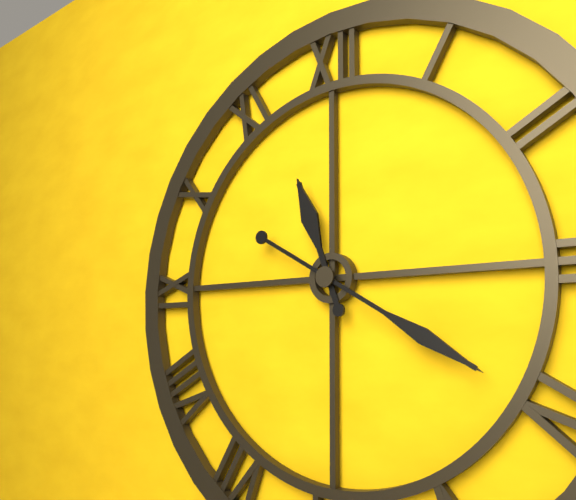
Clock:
11:20
